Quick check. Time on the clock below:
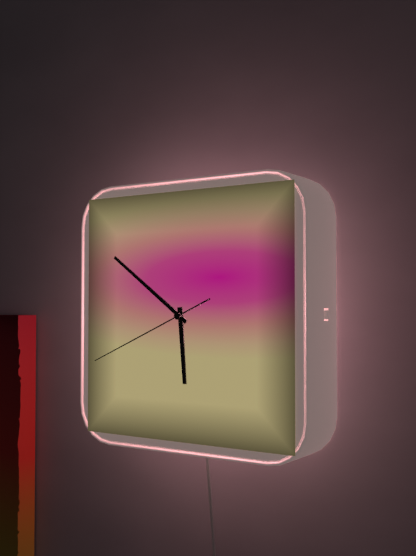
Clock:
5:51:41
